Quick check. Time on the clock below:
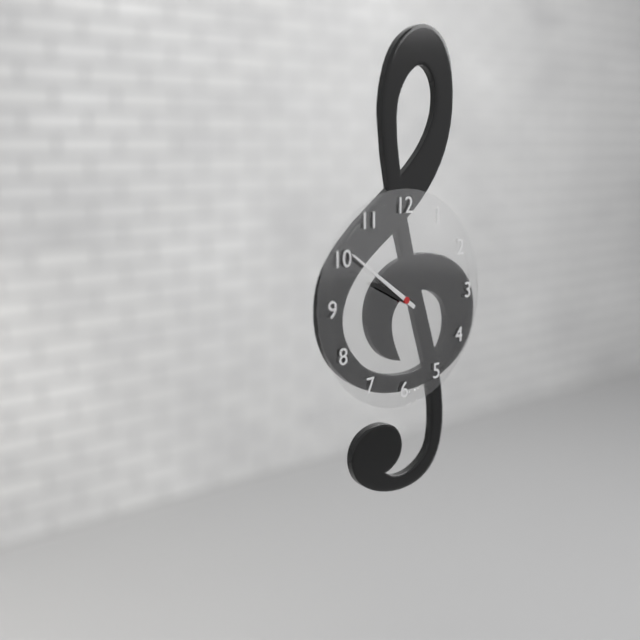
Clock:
9:51
